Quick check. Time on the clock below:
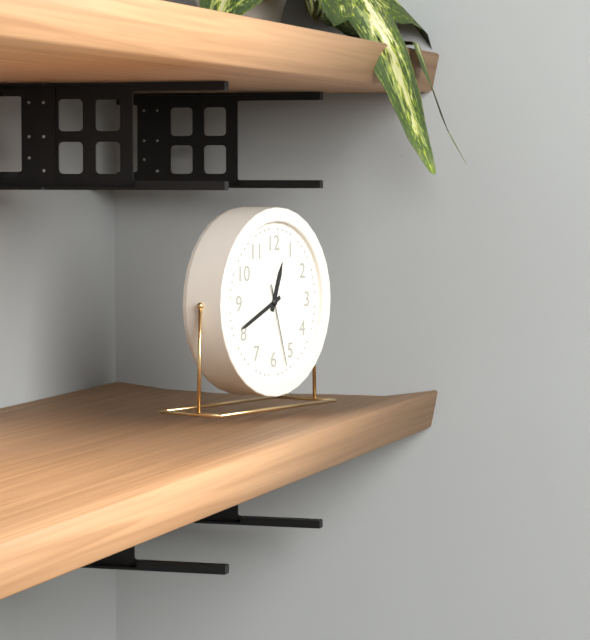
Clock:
12:41:27
